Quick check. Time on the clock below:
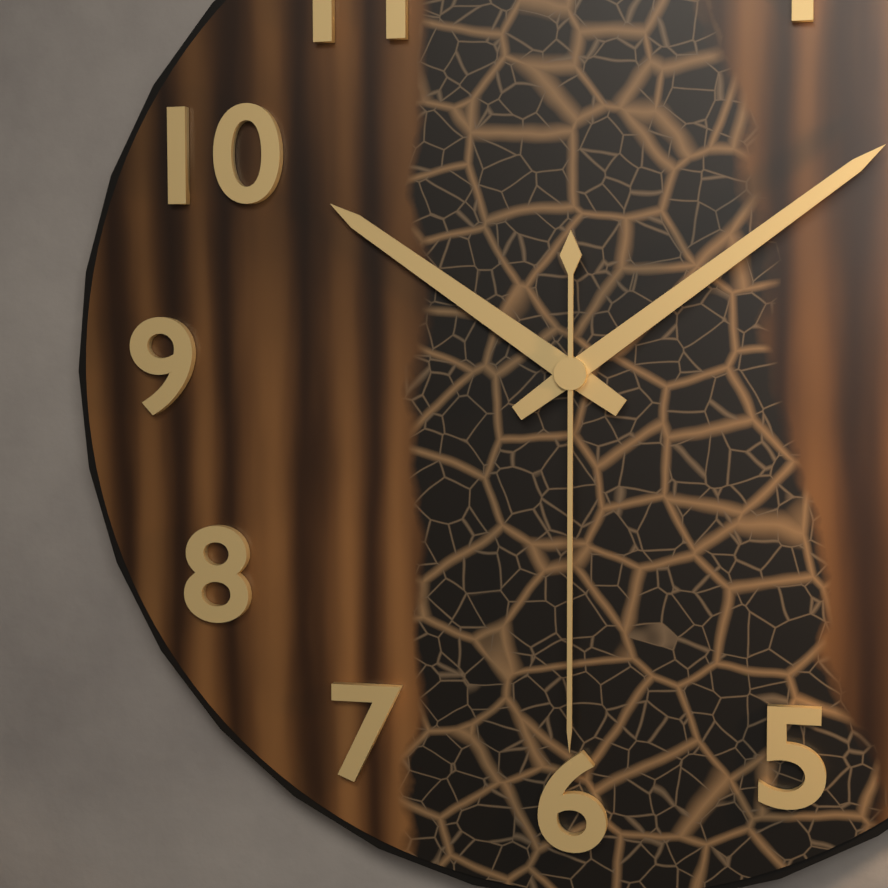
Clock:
10:09:30
